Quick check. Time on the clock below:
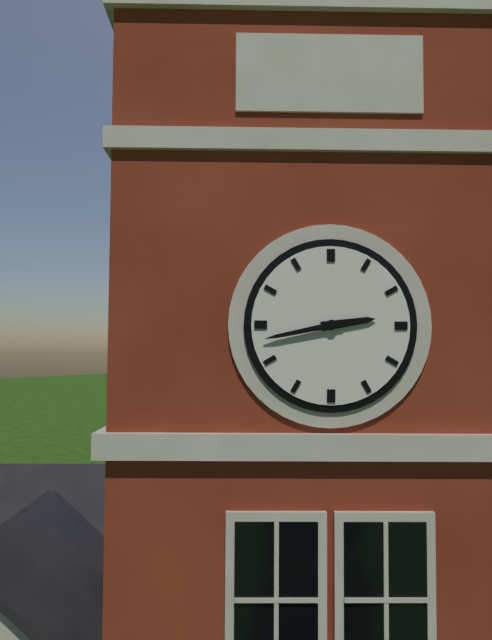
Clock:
2:43
